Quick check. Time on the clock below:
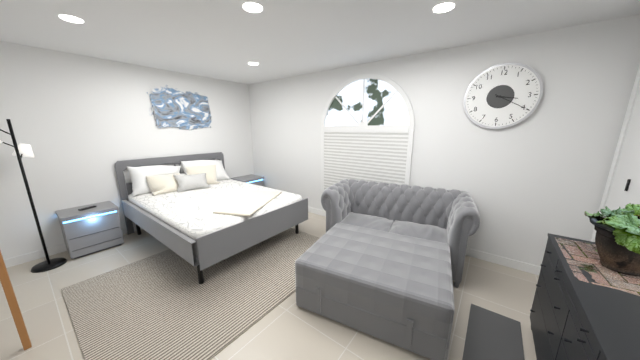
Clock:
3:20
